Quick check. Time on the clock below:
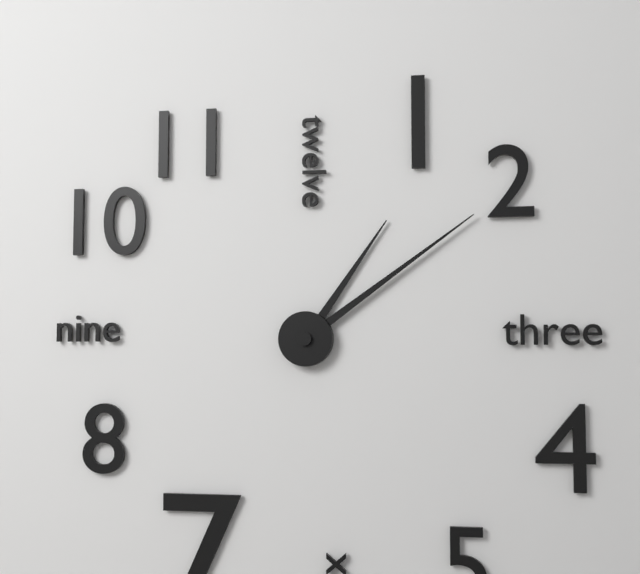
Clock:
1:09
